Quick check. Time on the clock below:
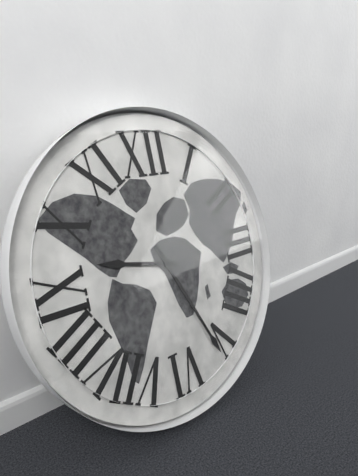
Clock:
9:26
